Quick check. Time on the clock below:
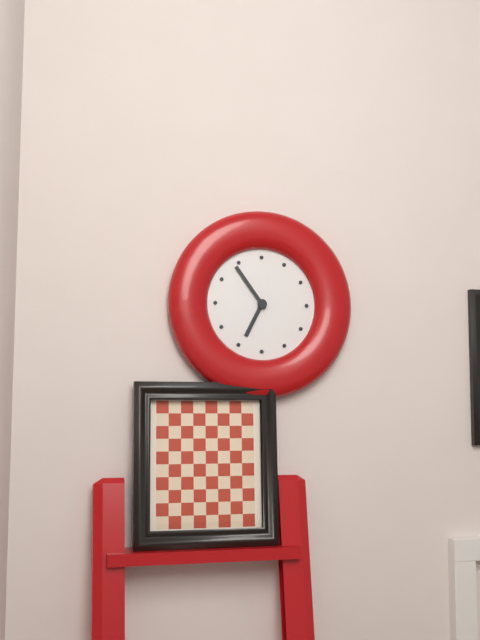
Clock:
6:54
